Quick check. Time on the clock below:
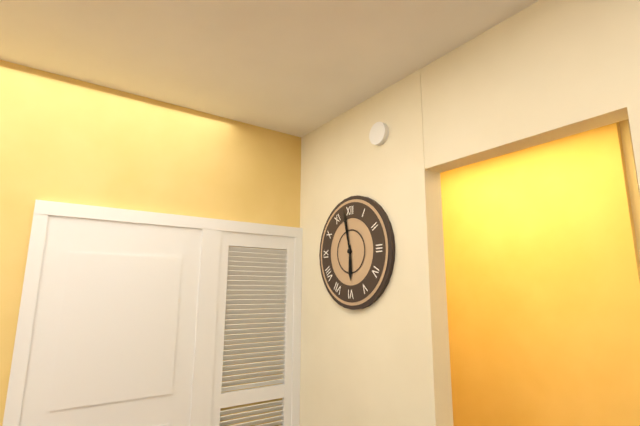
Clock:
5:58
